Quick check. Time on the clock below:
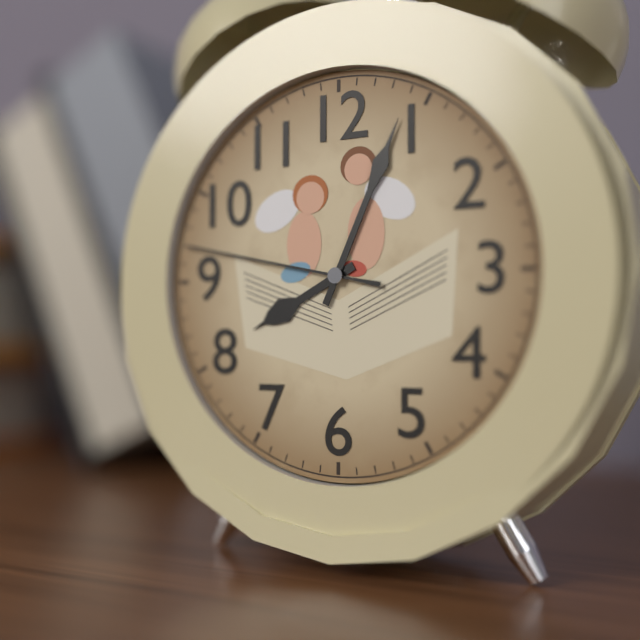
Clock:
8:04:47
